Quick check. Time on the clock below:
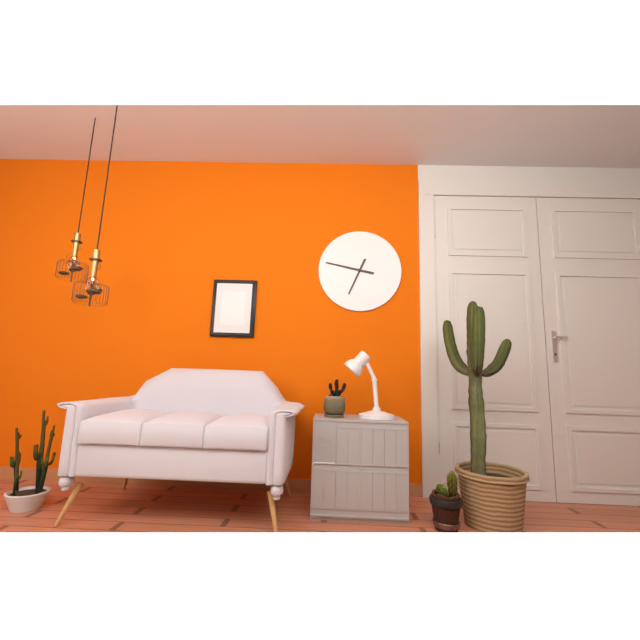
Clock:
6:47
